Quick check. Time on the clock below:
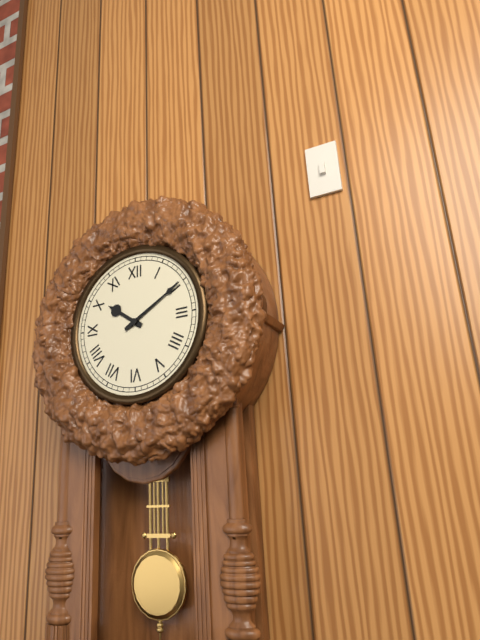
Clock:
10:10
